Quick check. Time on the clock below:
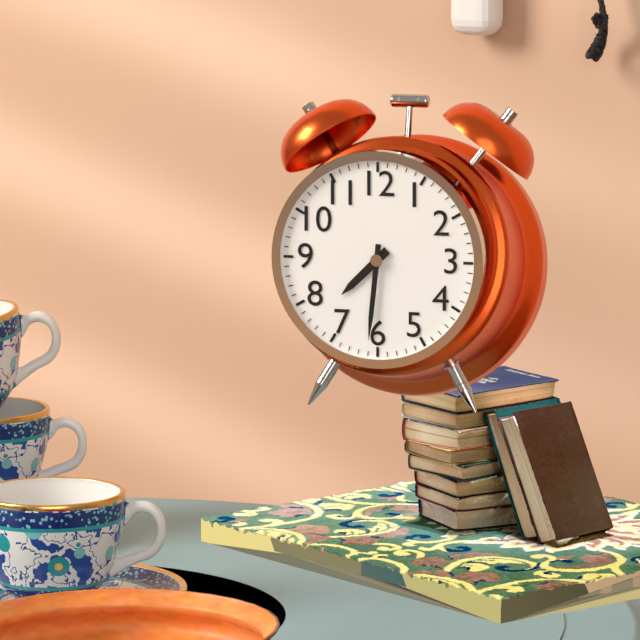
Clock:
7:31
